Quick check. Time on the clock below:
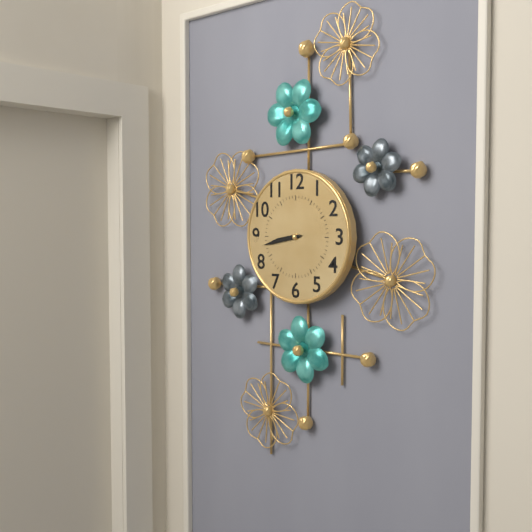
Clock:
8:43
